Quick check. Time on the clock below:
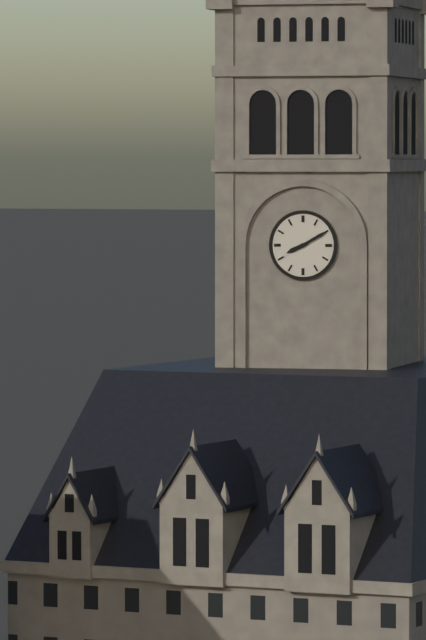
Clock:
8:10
